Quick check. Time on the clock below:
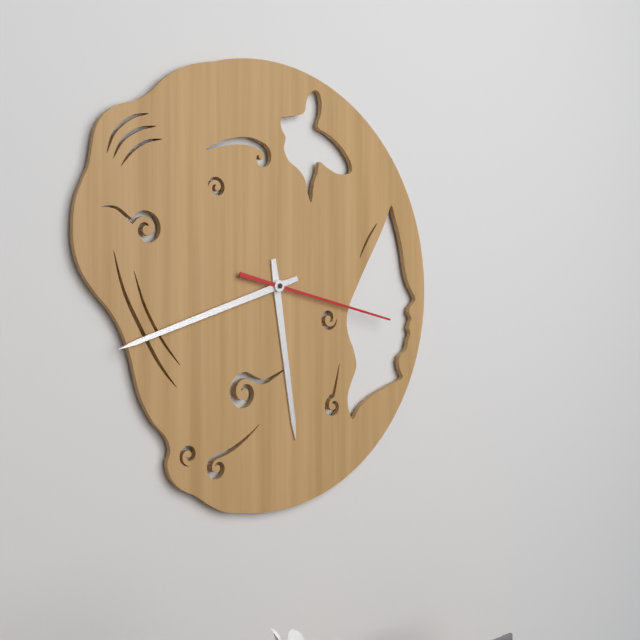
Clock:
5:42:17
